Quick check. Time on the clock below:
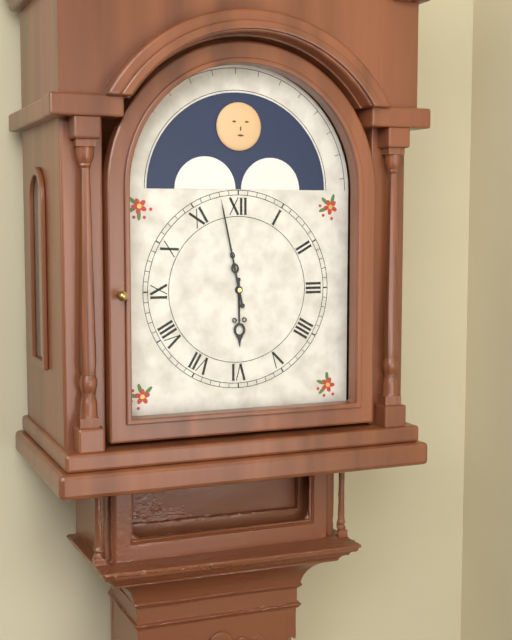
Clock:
5:58
